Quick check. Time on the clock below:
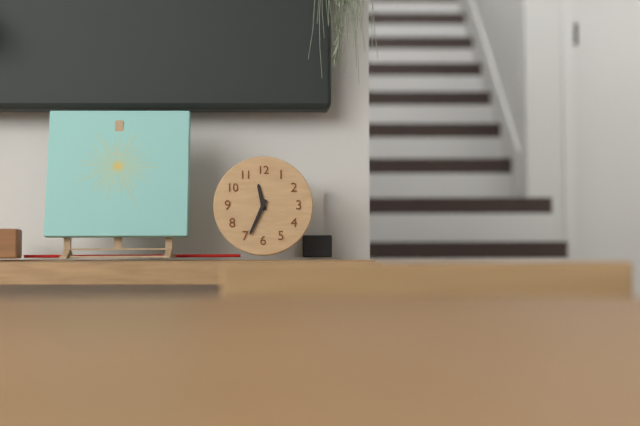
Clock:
11:34
